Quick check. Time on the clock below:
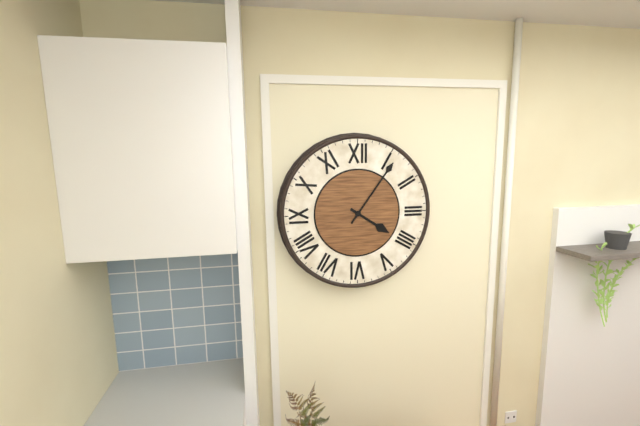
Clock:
4:06
